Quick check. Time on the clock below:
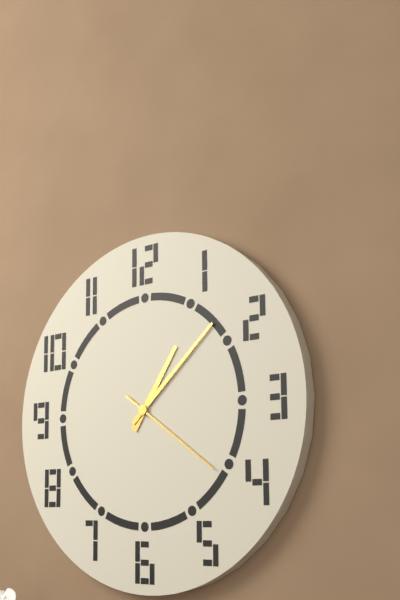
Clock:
1:08:21
